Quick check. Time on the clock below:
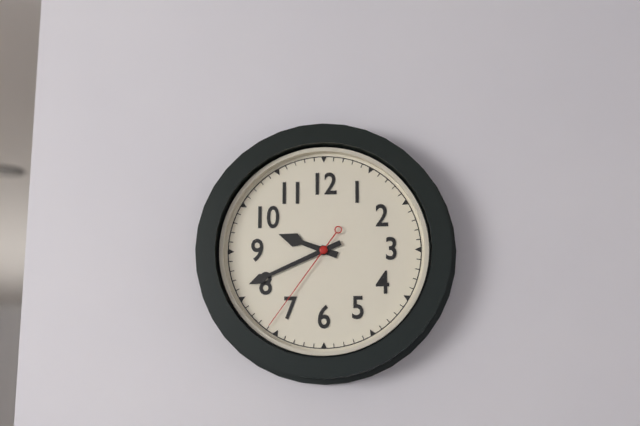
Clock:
9:41:36
